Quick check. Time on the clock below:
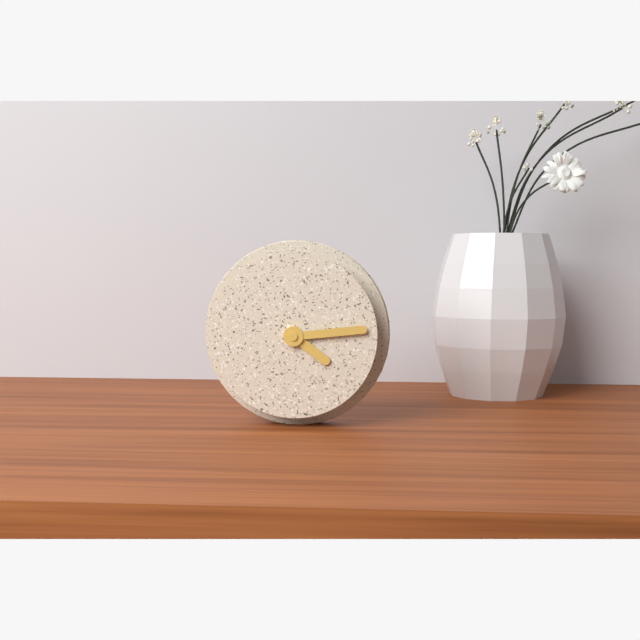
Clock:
4:14
